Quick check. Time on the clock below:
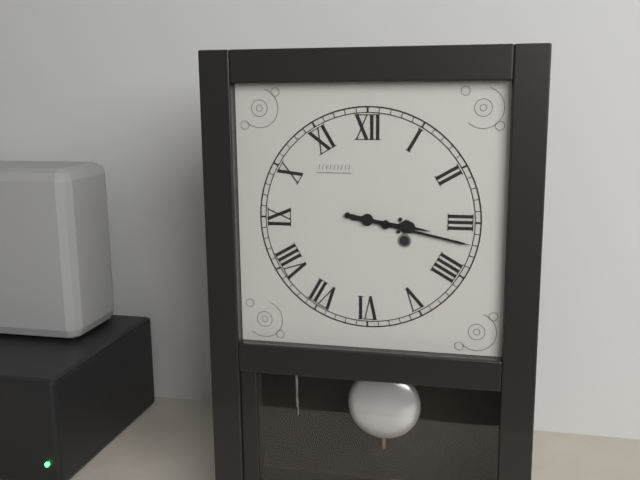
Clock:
3:17
